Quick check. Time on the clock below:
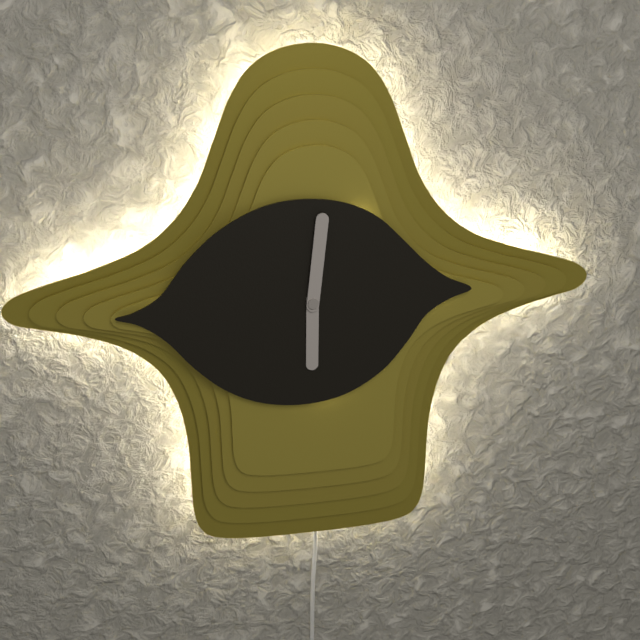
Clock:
6:01
